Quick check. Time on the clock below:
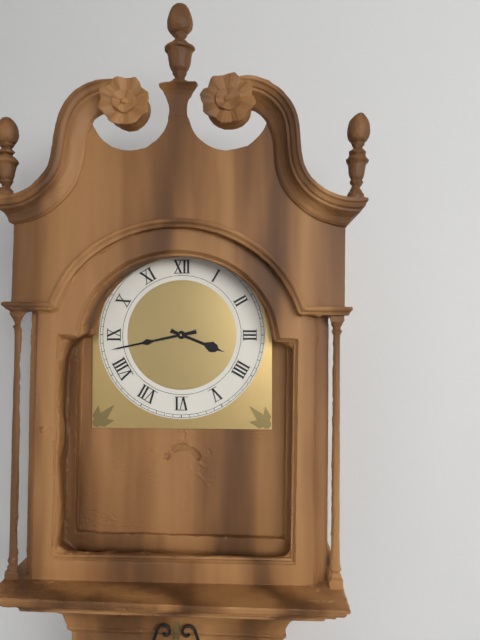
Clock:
3:43
